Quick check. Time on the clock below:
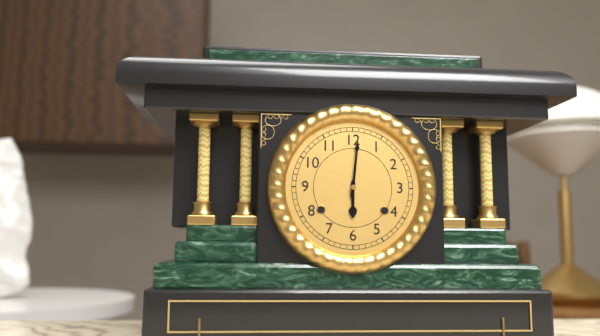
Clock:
6:01
